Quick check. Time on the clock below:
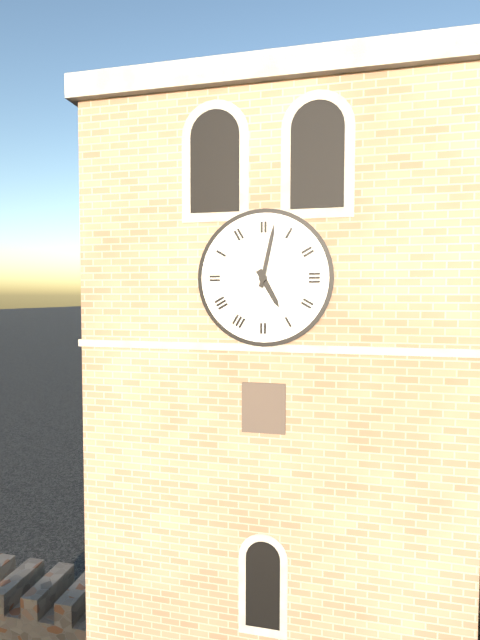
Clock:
5:02
